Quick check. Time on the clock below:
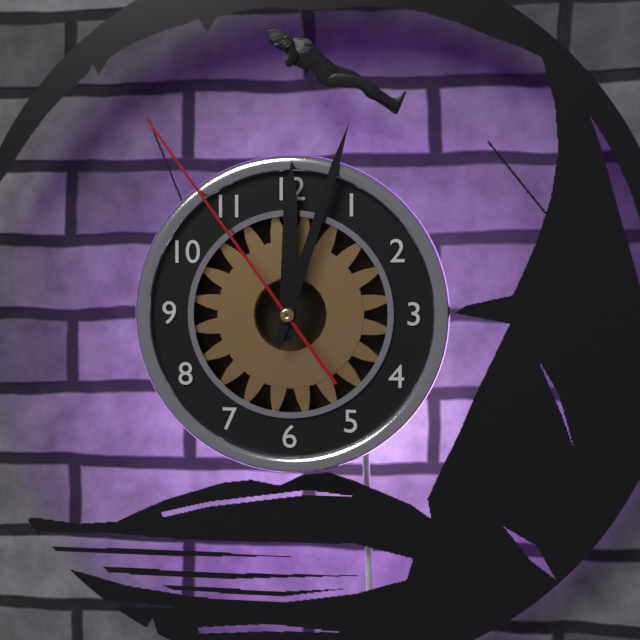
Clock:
12:03:54
